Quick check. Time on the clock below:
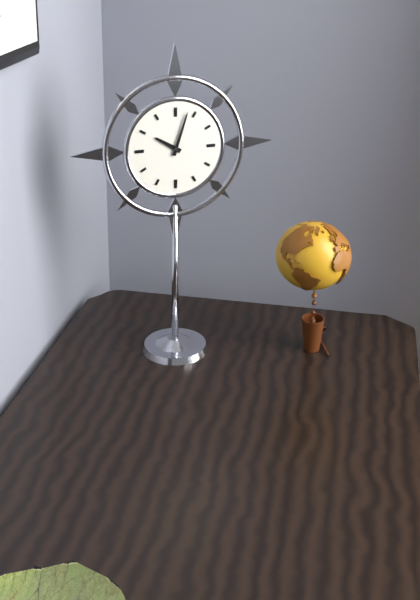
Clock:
10:03
